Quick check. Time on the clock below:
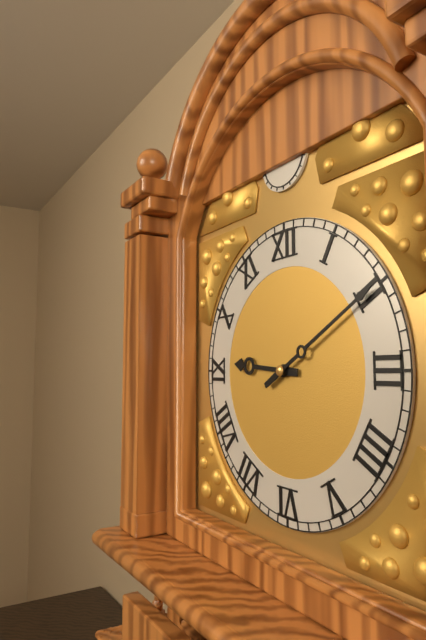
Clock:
9:10
